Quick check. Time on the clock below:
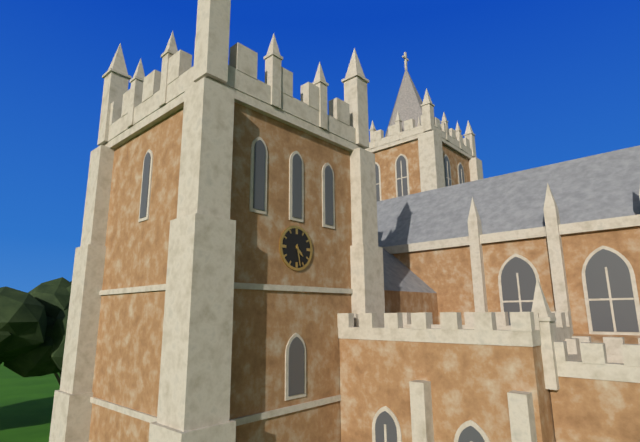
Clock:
4:28
